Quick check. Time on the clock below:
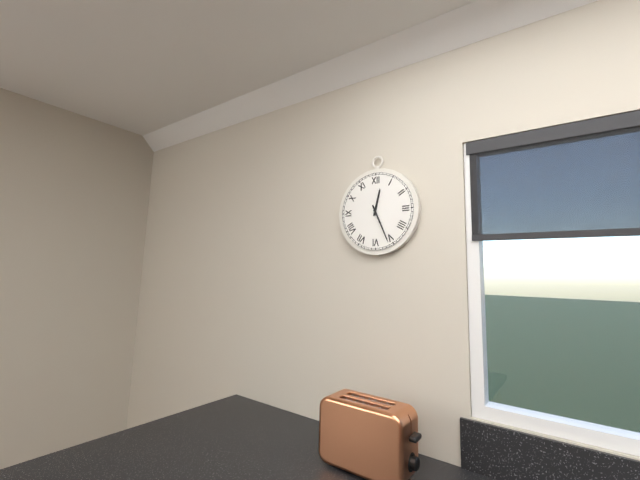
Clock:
12:26
